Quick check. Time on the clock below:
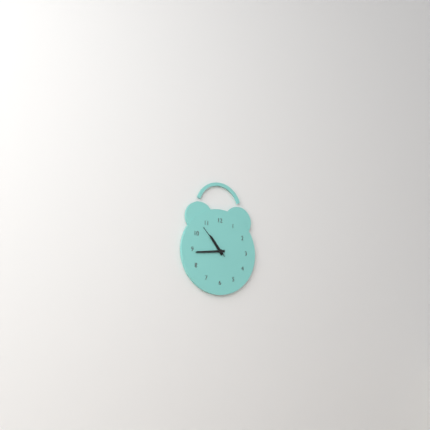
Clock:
10:44
